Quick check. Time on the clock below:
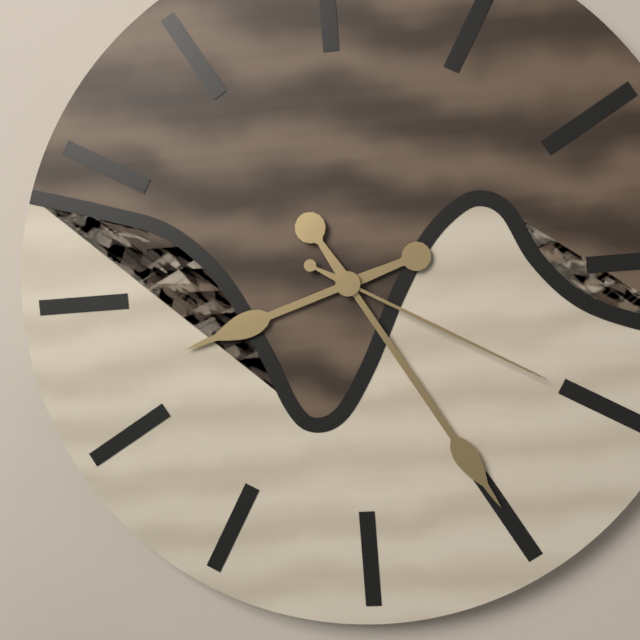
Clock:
8:25:20
